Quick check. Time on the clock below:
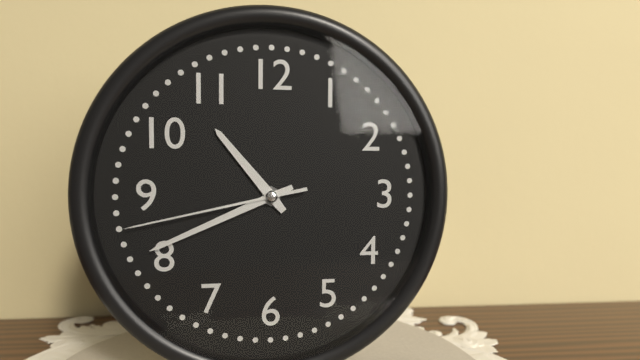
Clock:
10:41:43
